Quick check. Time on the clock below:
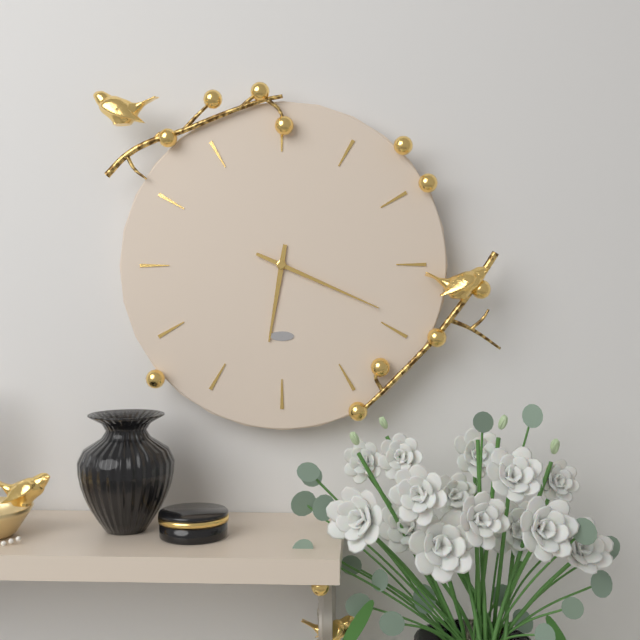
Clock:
6:19
